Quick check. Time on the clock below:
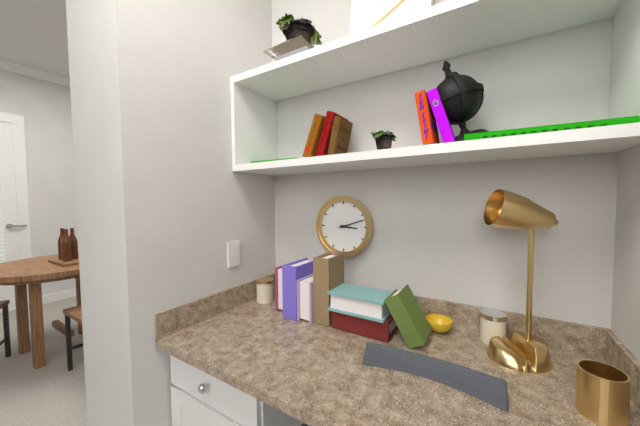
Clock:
3:12
